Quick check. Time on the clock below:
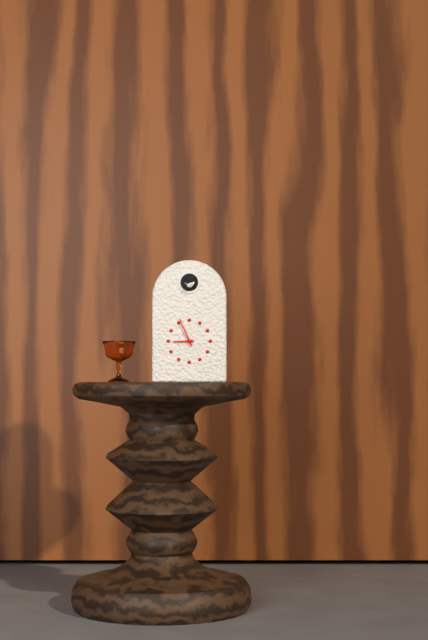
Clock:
8:56
